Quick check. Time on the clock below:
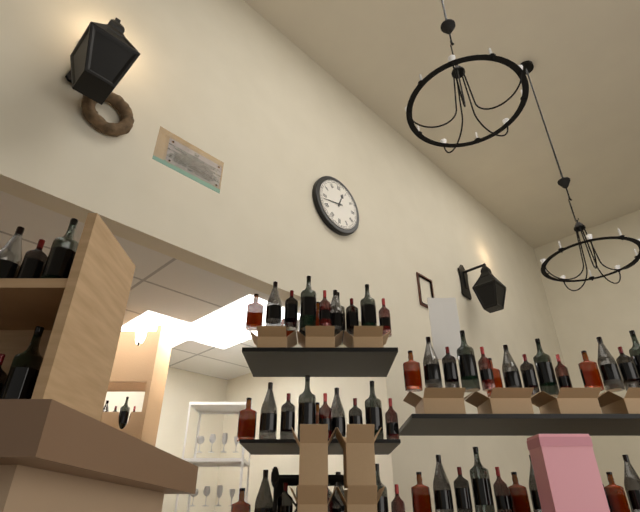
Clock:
12:43
